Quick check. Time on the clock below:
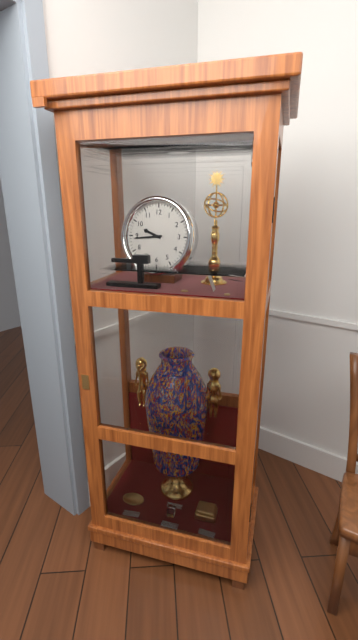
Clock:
9:44
